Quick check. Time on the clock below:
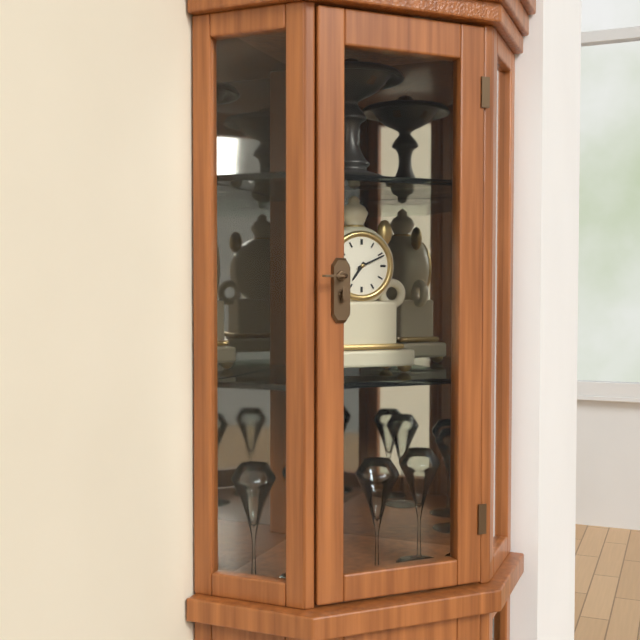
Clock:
7:11
